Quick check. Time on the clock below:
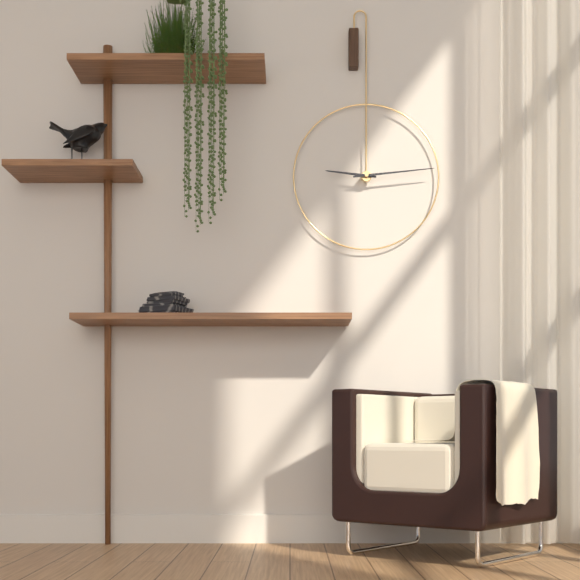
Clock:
9:14
